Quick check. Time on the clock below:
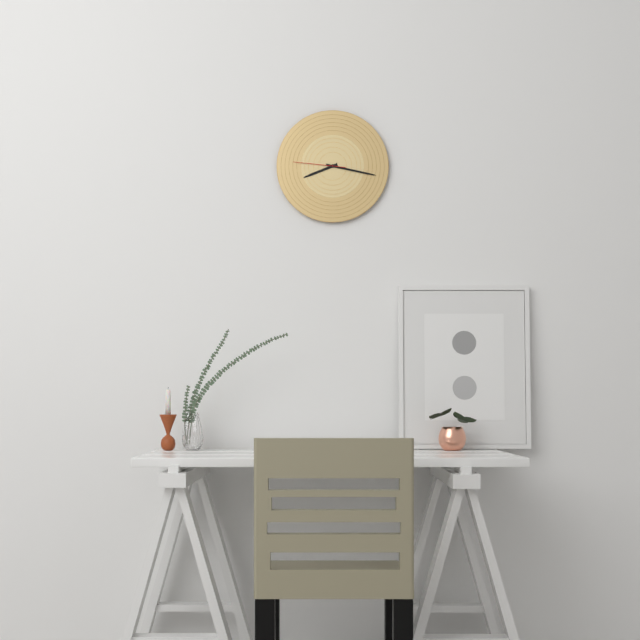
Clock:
8:17
